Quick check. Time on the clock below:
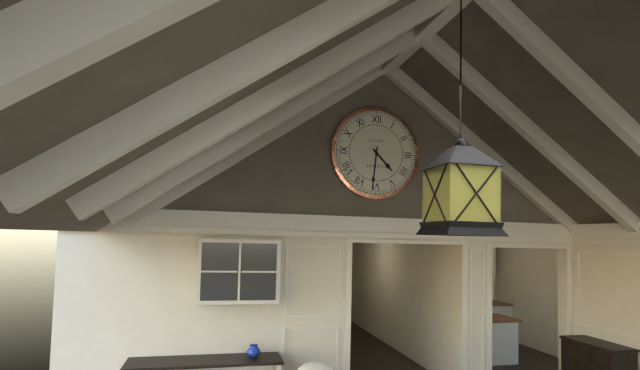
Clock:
4:31
